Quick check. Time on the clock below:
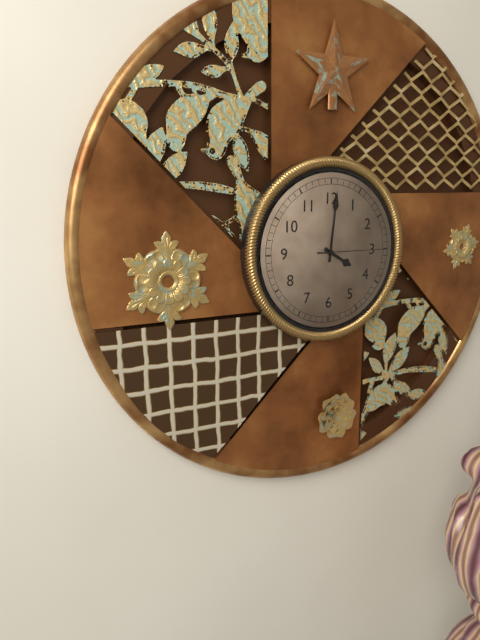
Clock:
4:01:15
